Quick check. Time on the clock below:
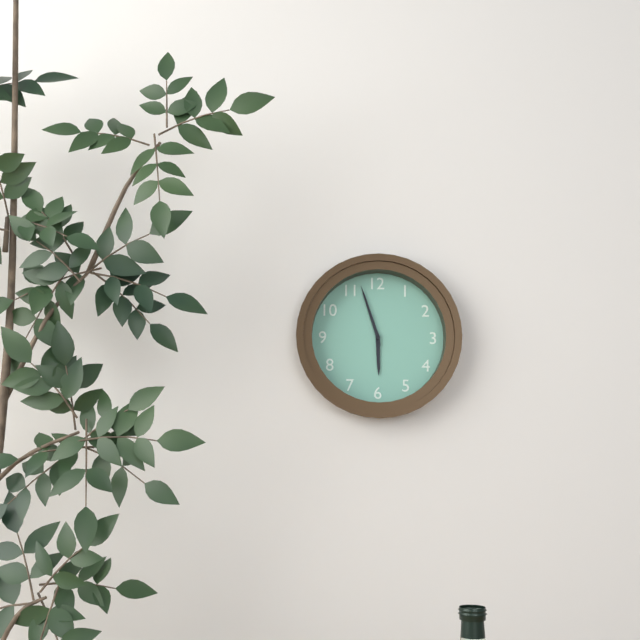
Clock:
5:57
